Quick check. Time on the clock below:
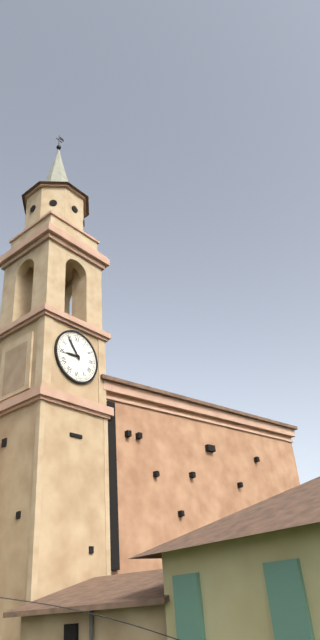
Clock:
8:54
